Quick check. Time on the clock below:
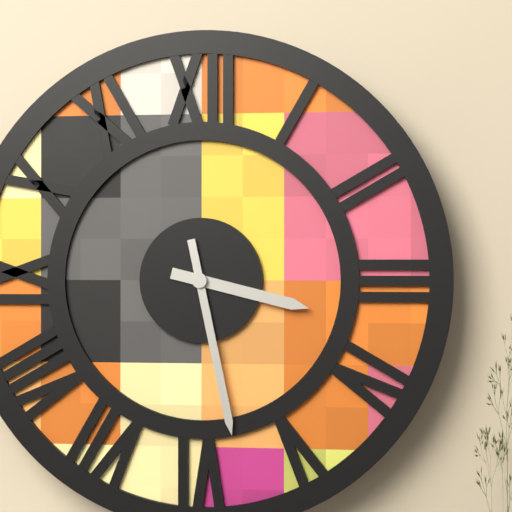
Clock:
3:28
